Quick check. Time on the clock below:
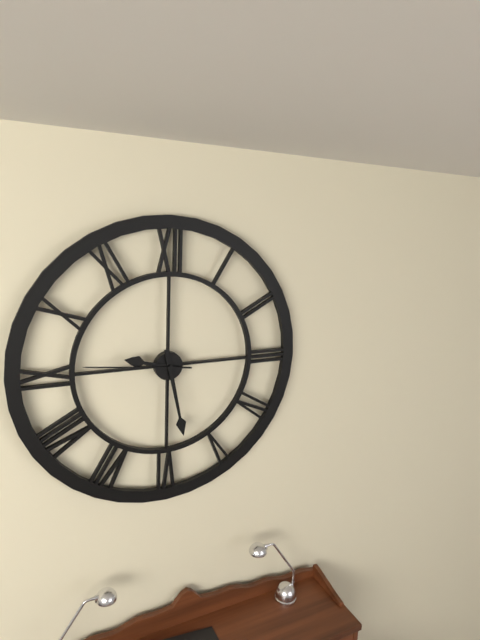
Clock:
9:28:46
